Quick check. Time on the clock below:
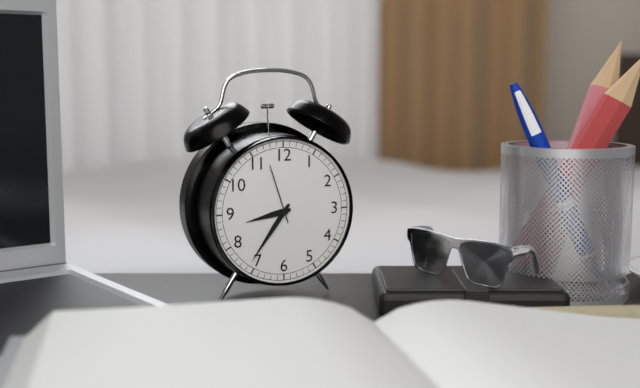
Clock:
8:36:57
